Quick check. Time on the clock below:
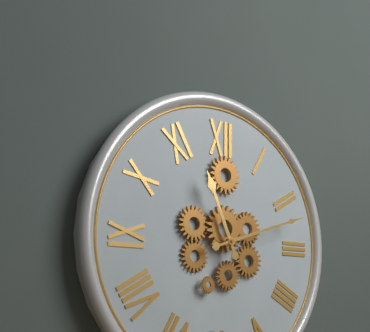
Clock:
11:12
